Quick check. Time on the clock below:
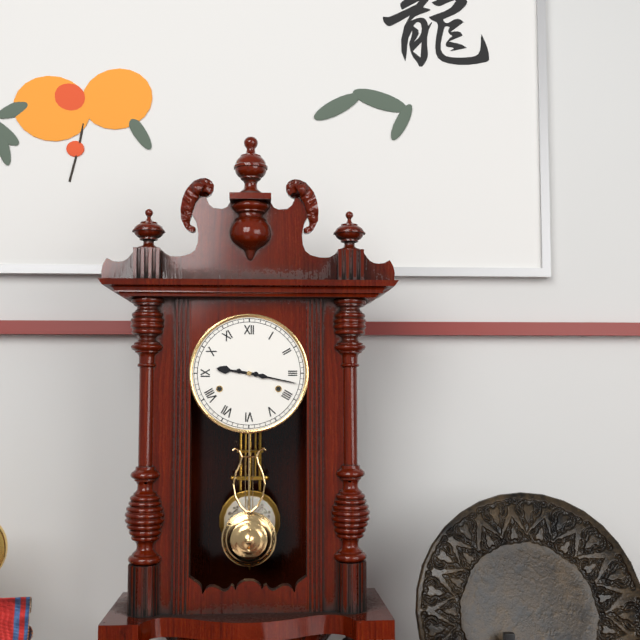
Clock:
9:17
